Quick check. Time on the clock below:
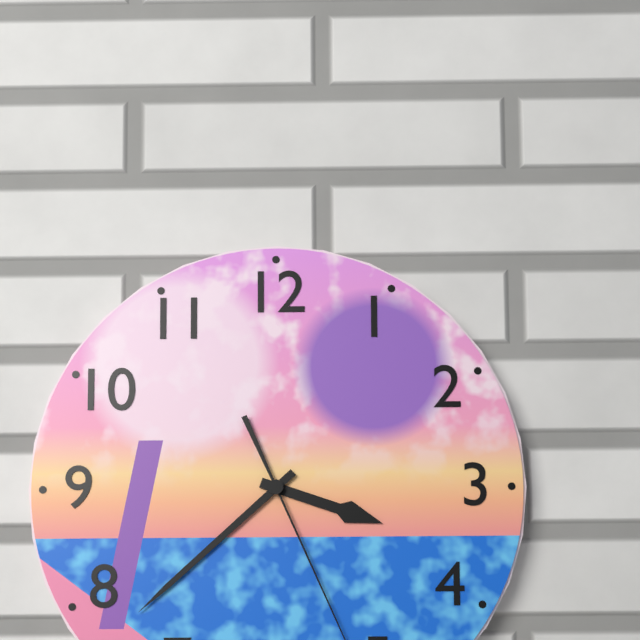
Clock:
3:38
